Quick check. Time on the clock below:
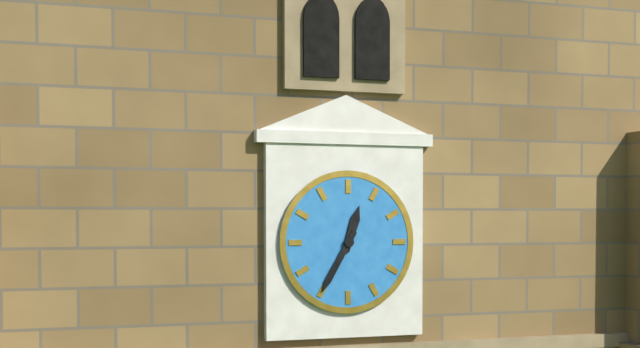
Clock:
12:35
